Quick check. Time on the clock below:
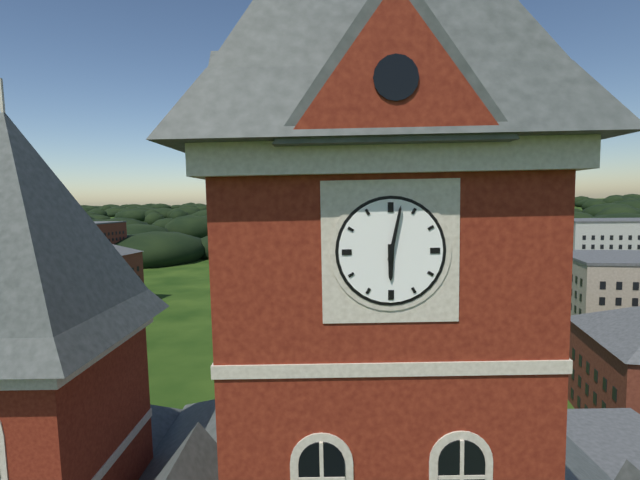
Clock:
6:02
